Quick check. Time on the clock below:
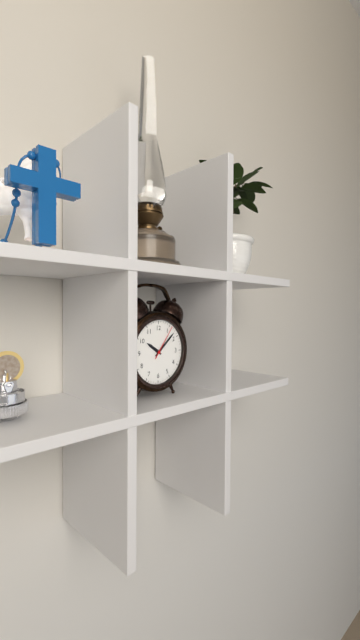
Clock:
10:08
